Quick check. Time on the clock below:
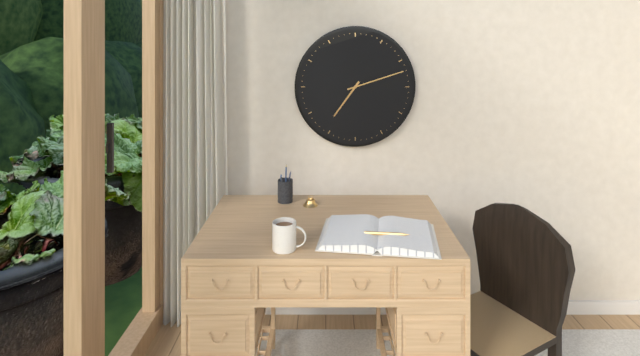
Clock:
7:12
